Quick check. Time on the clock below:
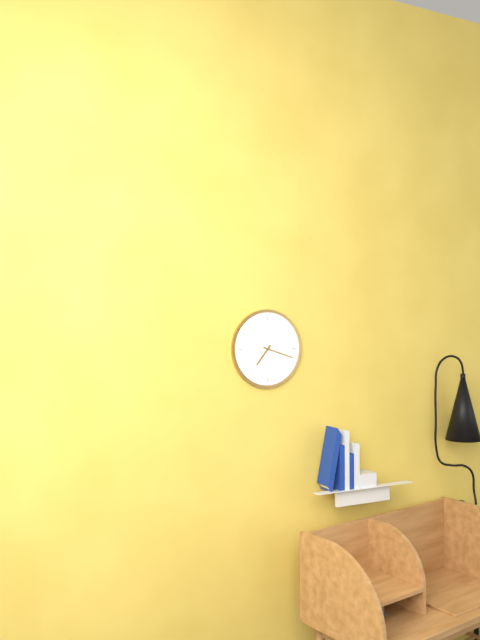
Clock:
7:18
